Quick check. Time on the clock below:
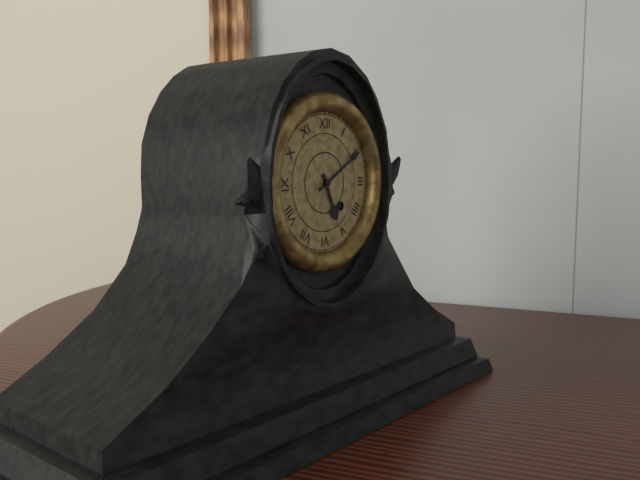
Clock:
5:10
